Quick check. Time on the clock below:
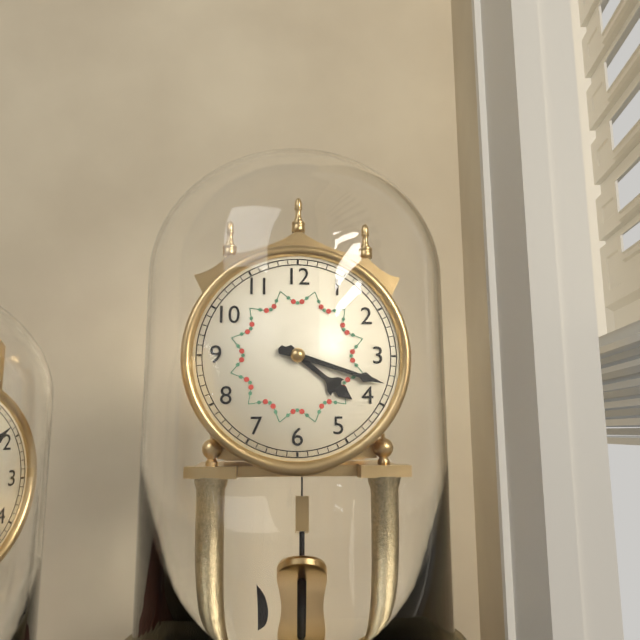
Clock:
4:18
